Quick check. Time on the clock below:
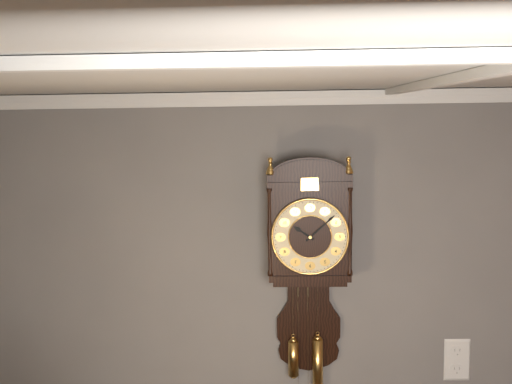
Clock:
10:08
